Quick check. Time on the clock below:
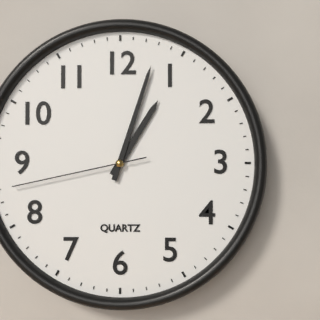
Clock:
1:03:43
